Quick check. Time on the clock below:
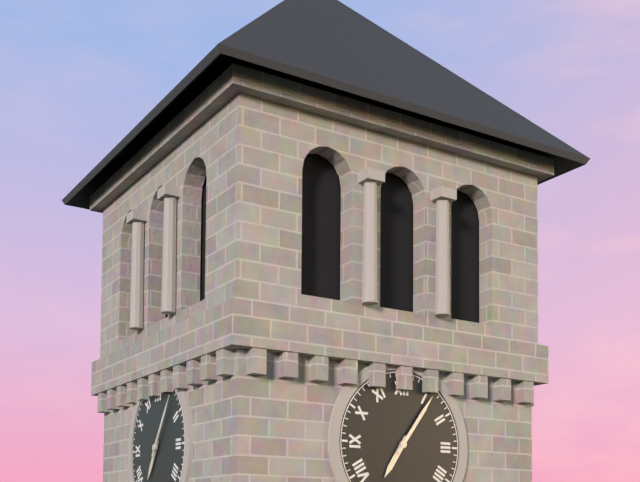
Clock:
7:06
